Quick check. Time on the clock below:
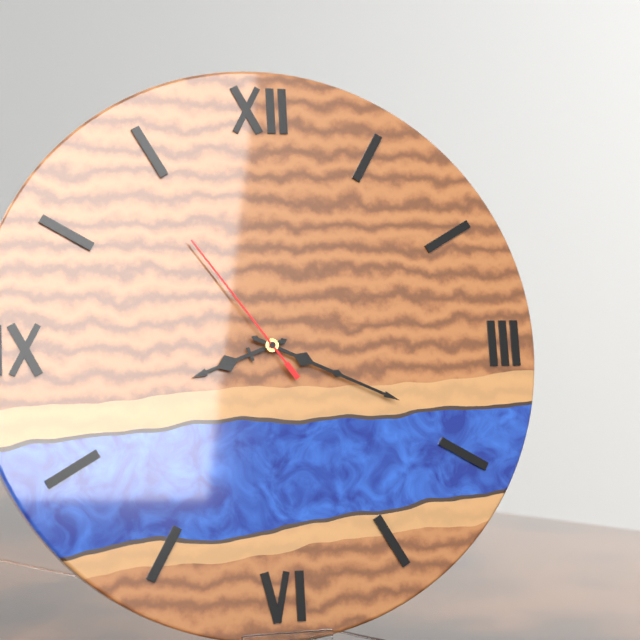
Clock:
8:19:54
